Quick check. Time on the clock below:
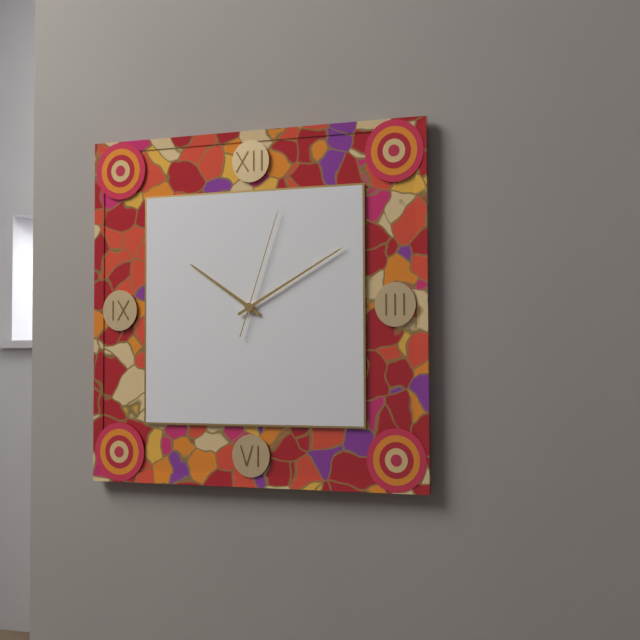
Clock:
10:10:03
